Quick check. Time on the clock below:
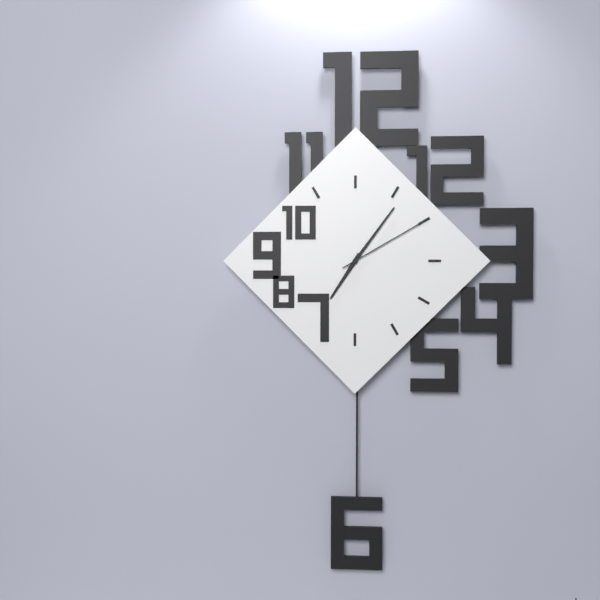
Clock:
7:06:10
